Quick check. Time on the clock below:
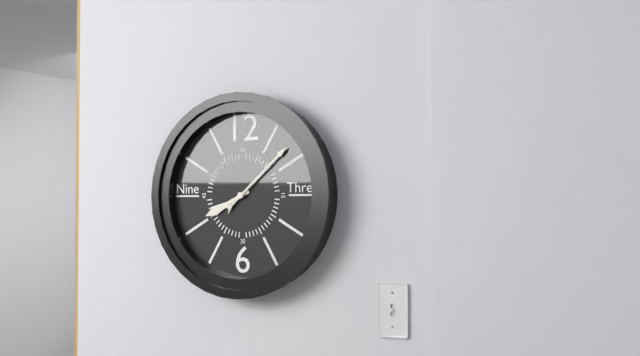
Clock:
8:08
